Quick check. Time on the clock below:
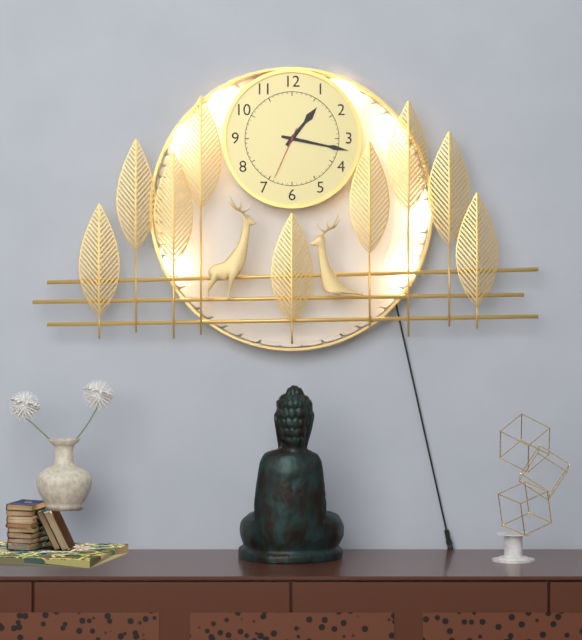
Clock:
1:17:34
